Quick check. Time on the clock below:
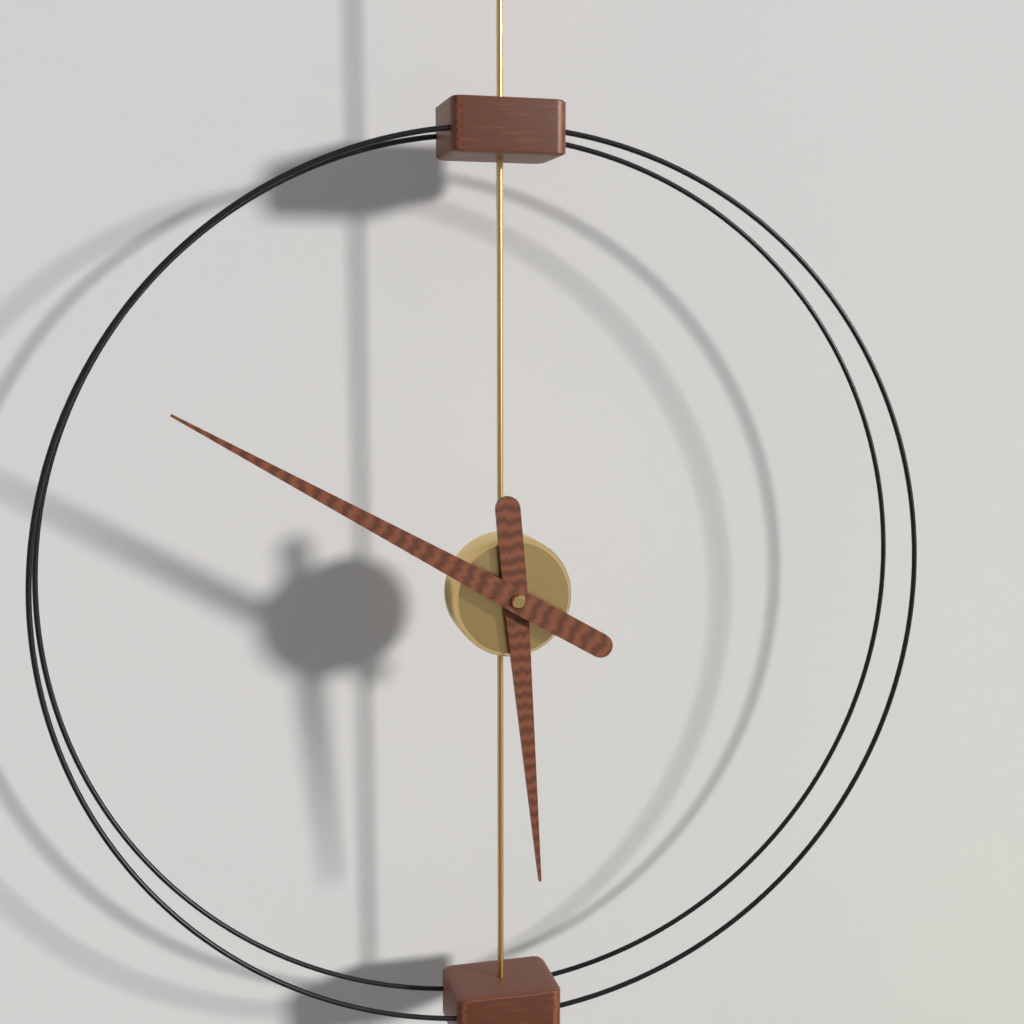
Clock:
5:50
